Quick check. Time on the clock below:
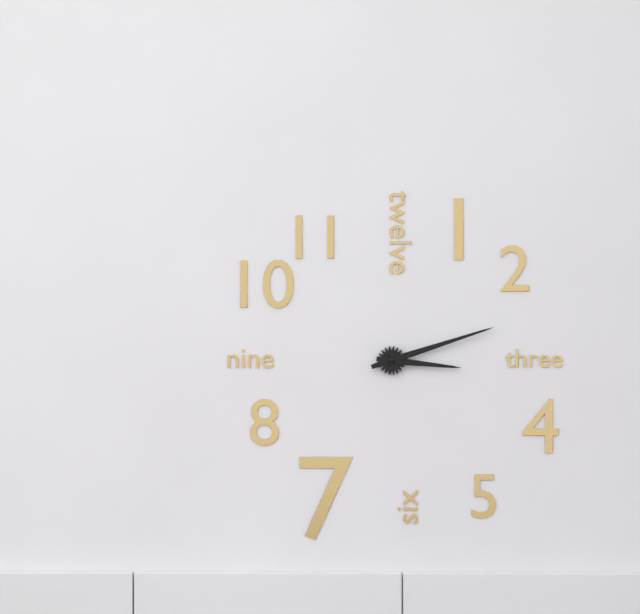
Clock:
3:12
